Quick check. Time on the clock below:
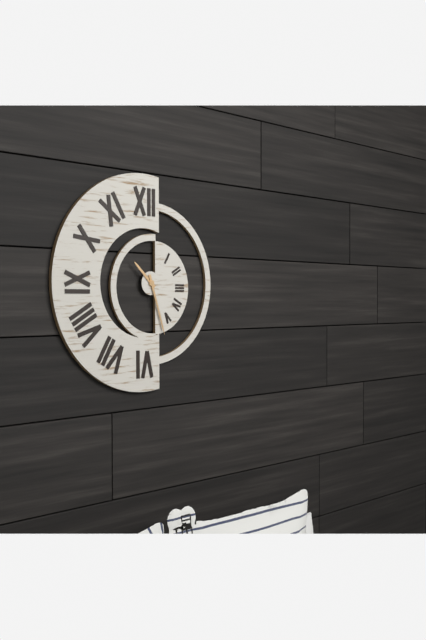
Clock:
10:27
